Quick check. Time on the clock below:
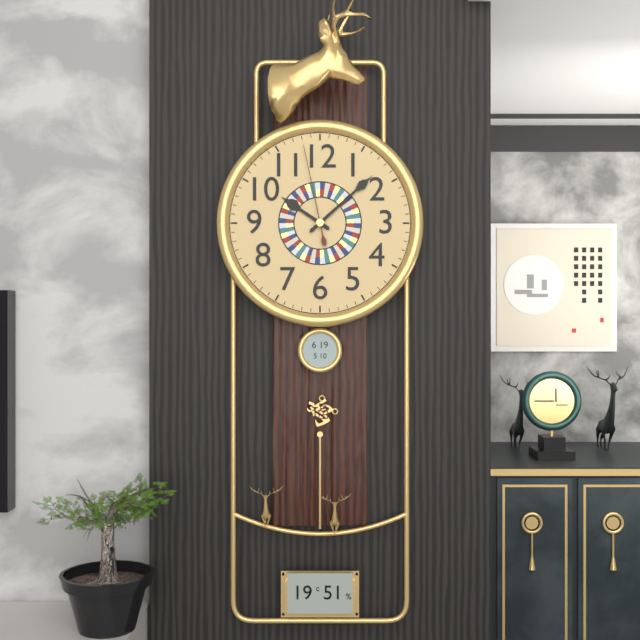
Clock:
10:08:58
